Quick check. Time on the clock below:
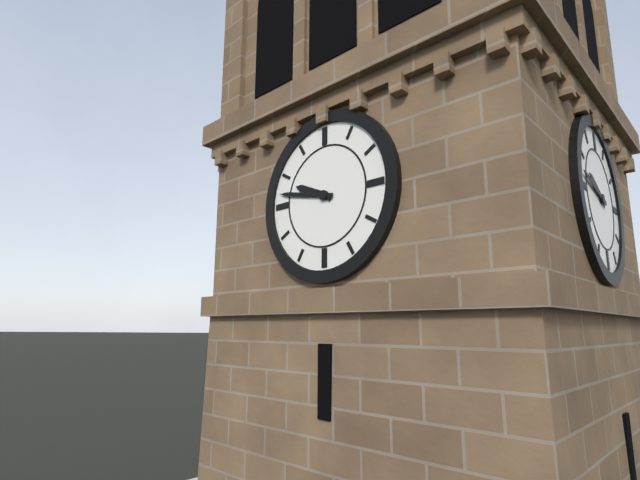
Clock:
9:47
